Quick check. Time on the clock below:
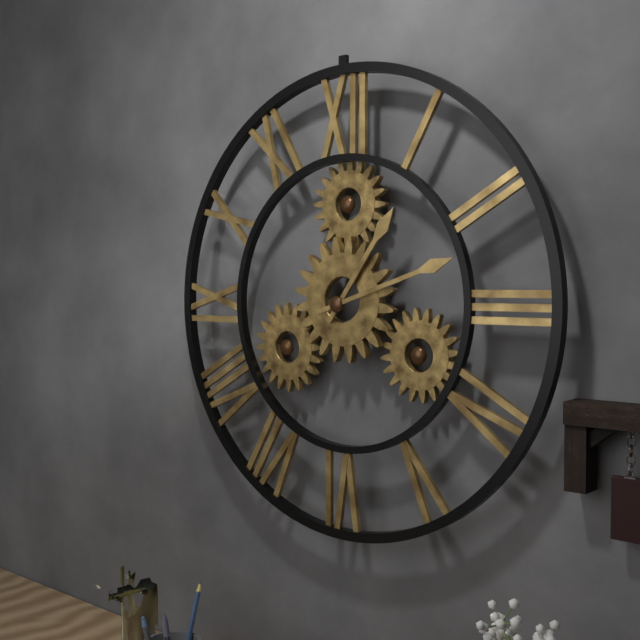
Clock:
1:12
